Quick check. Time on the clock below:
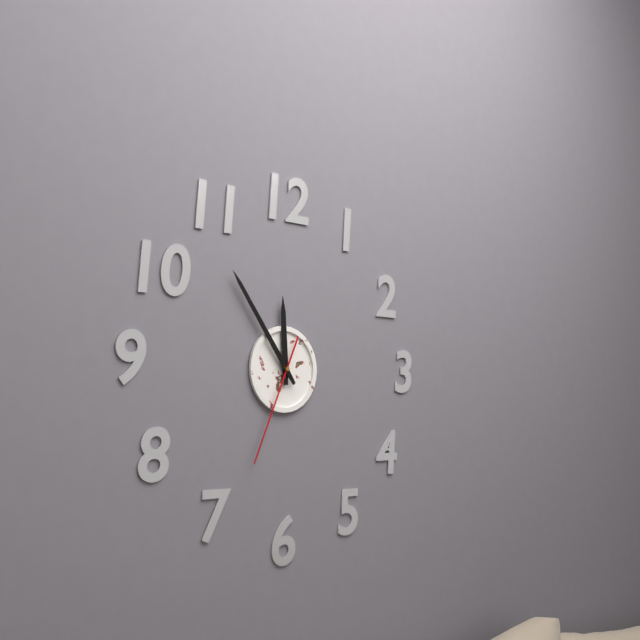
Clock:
11:54:34
